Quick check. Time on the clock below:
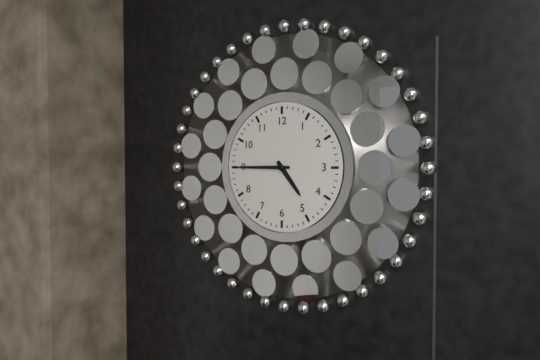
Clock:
4:45
